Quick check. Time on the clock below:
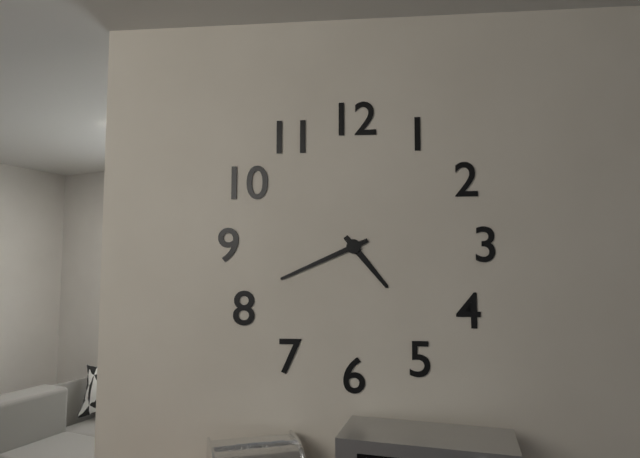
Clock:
4:41
